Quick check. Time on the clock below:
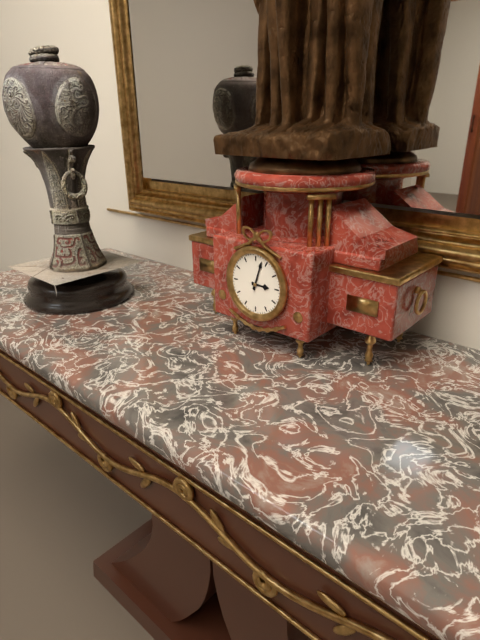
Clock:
3:03
